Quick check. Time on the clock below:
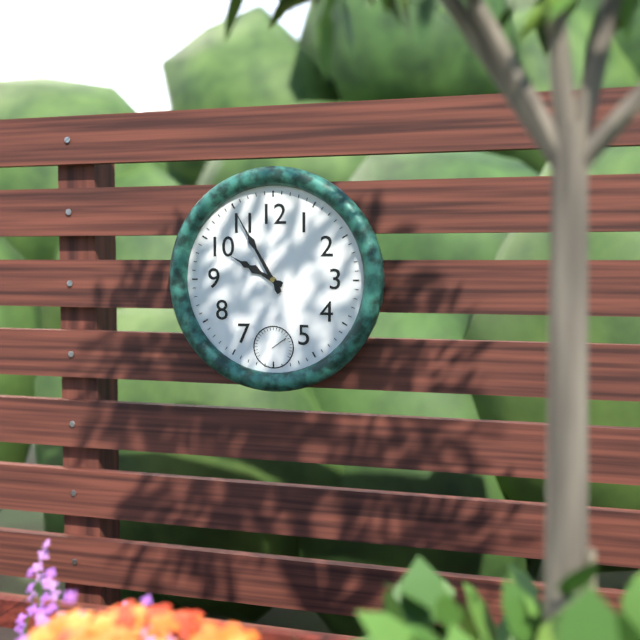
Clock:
9:55
